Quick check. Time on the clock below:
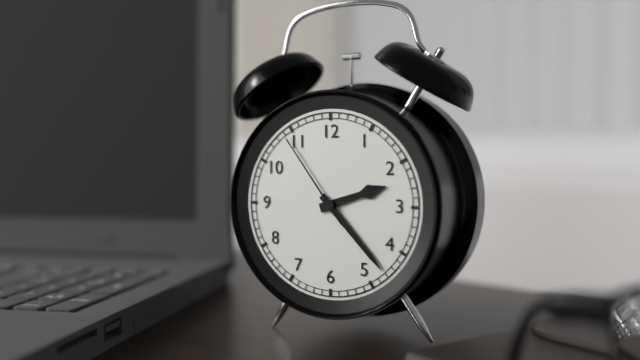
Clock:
2:23:54
